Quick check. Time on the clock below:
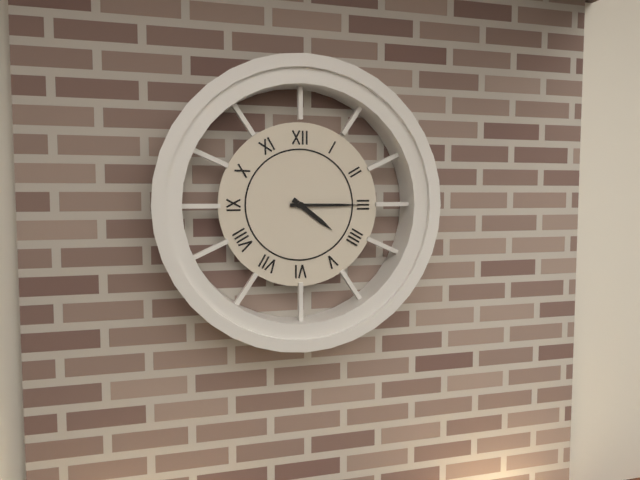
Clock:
4:15
